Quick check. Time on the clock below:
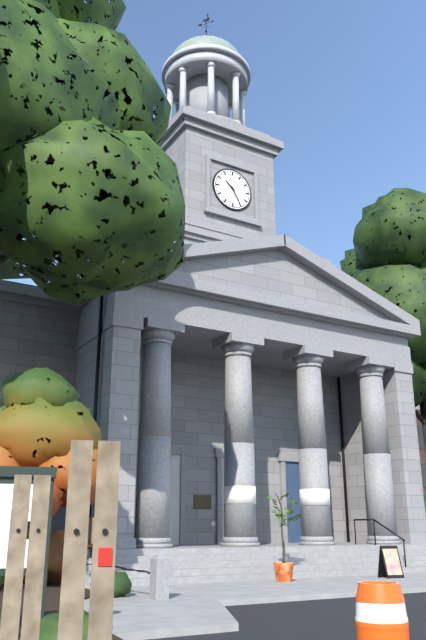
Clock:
10:25
